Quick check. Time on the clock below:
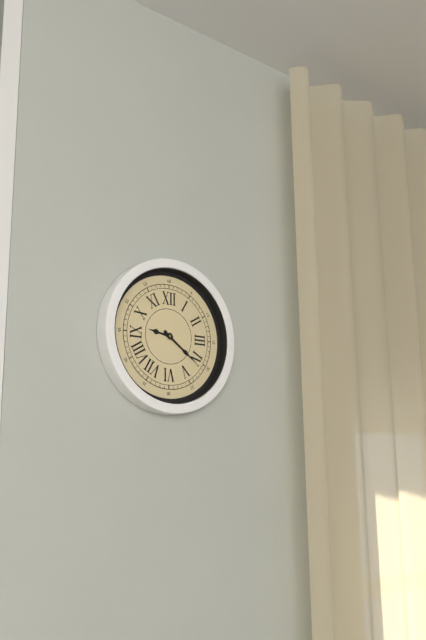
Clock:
9:21
